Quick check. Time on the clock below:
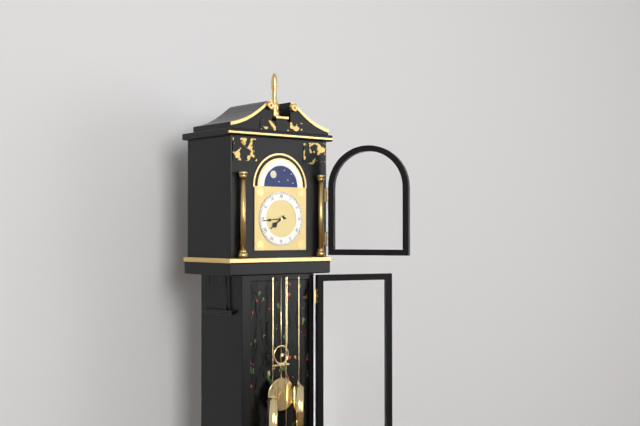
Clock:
7:44
